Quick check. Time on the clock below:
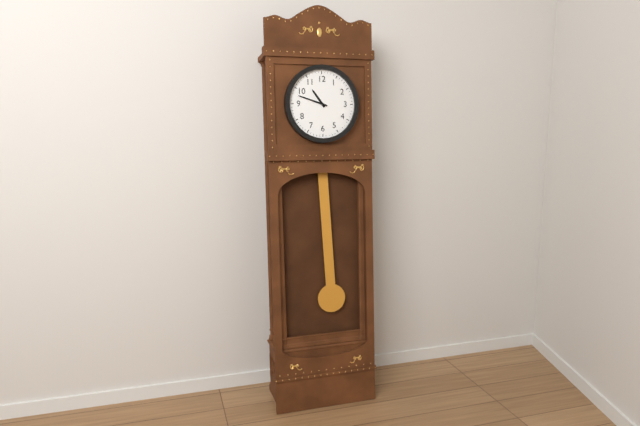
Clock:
10:48
